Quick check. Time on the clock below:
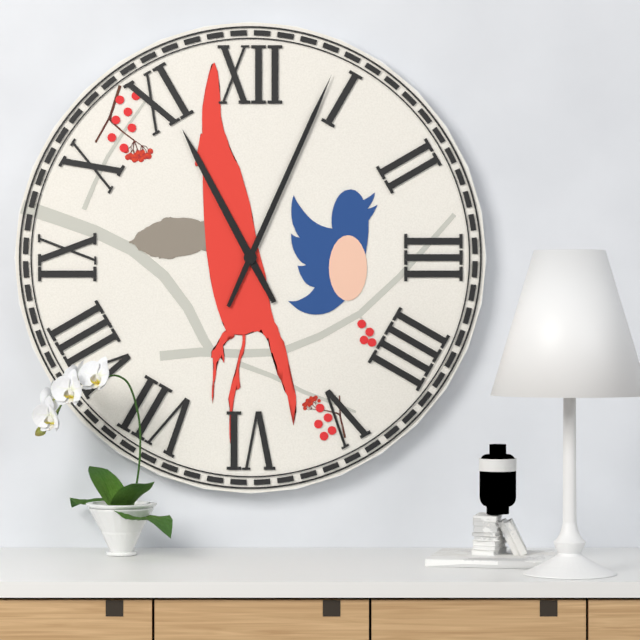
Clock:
11:04
